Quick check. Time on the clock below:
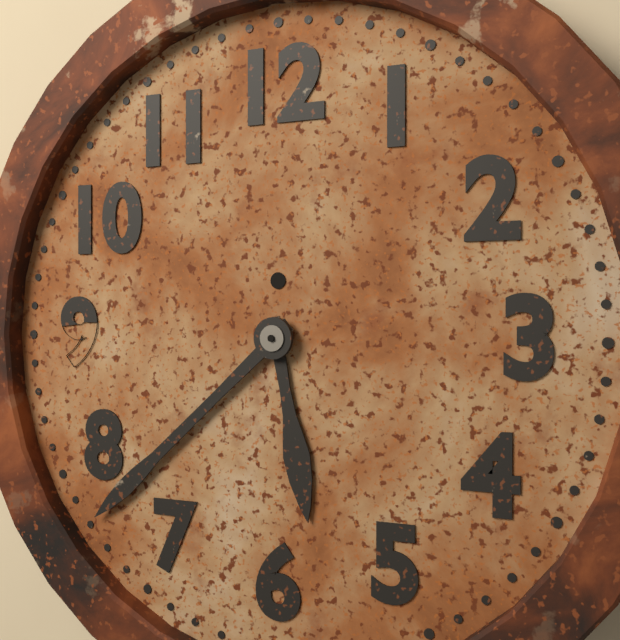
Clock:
5:38
